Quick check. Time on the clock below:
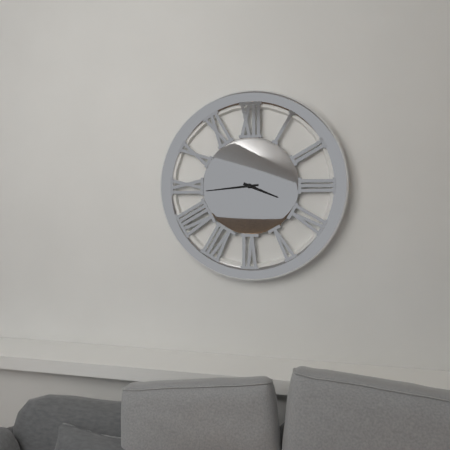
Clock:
3:44
